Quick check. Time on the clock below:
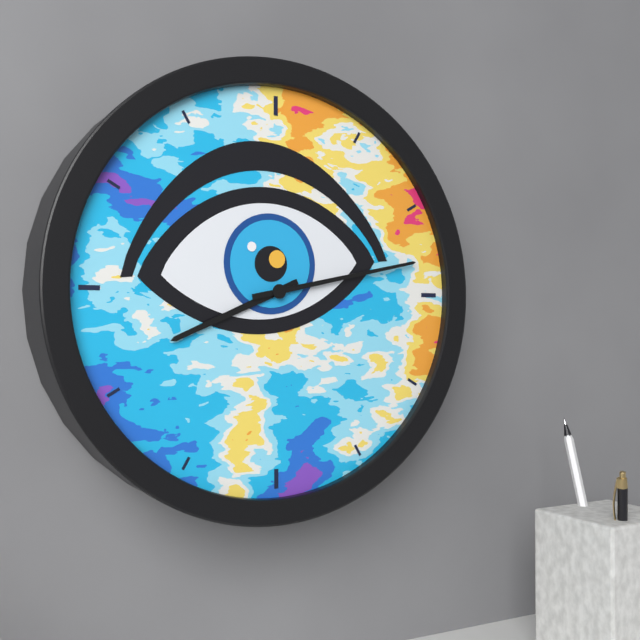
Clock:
8:13
